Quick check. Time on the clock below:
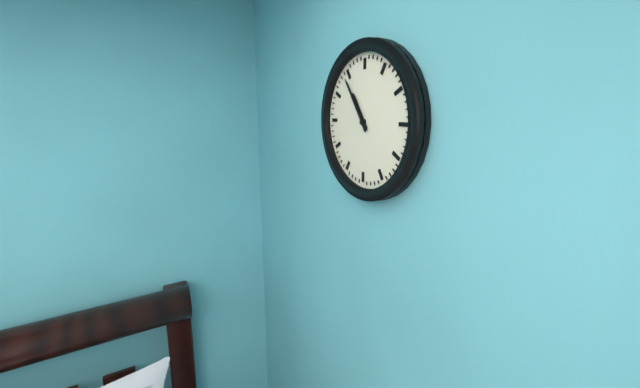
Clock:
10:54
